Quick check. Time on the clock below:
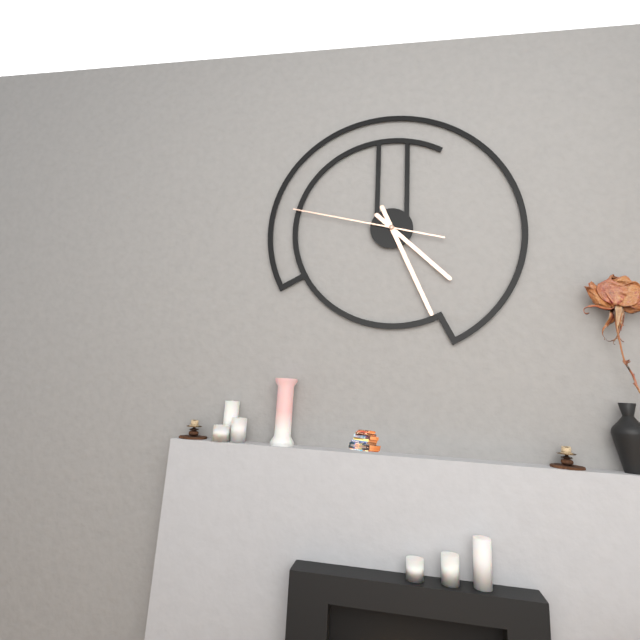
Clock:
4:26:47
